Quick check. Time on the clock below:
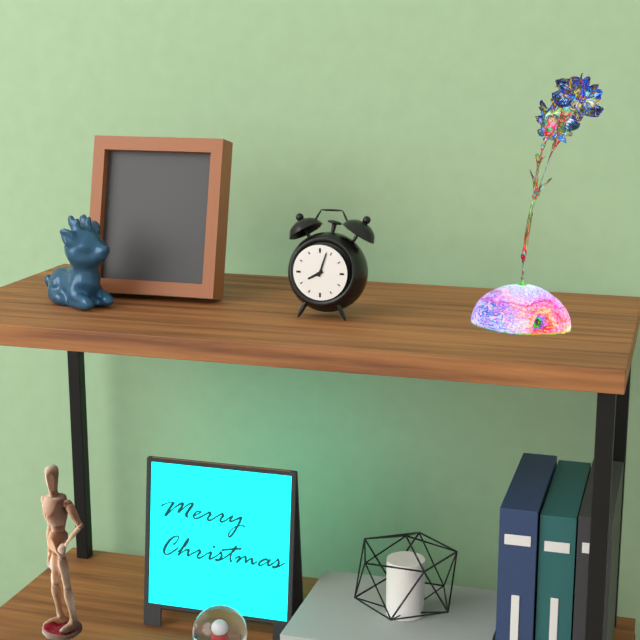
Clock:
8:03
